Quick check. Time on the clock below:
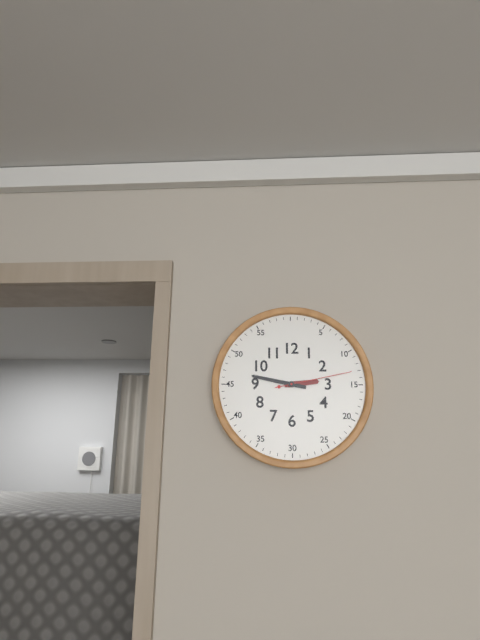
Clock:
2:47:13
